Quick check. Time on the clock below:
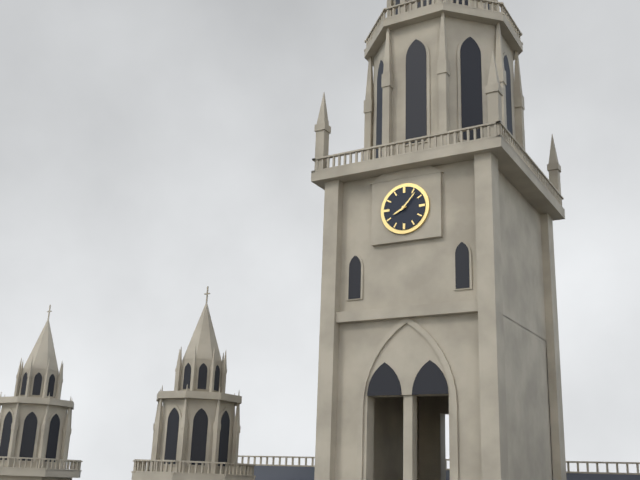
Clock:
8:07
